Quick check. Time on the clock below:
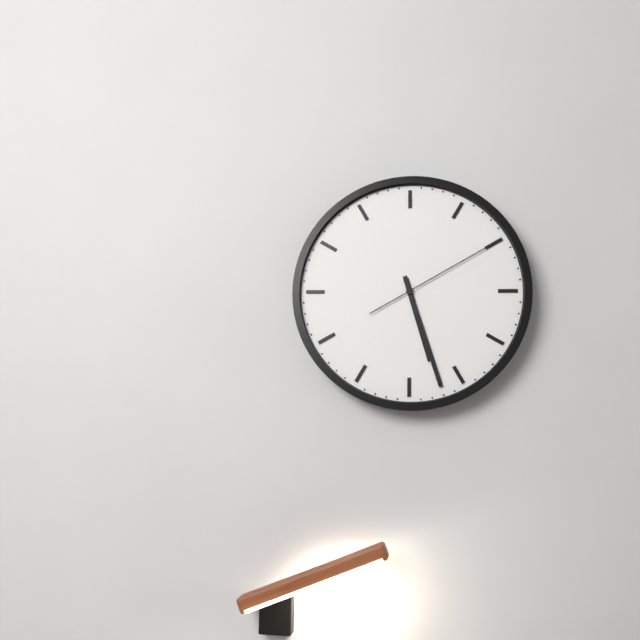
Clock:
5:27:10
